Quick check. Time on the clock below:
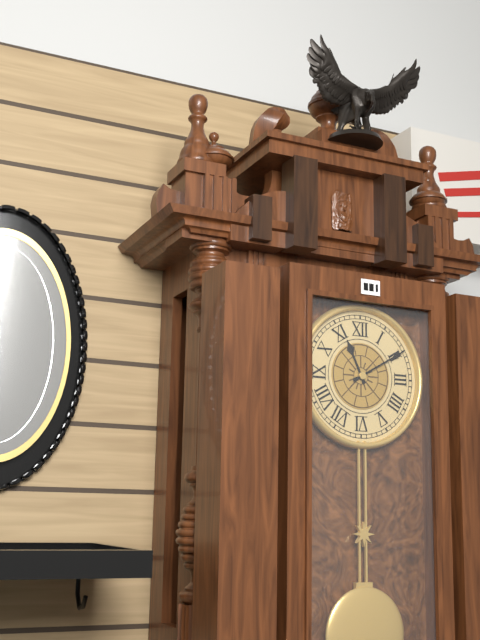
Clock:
11:10
